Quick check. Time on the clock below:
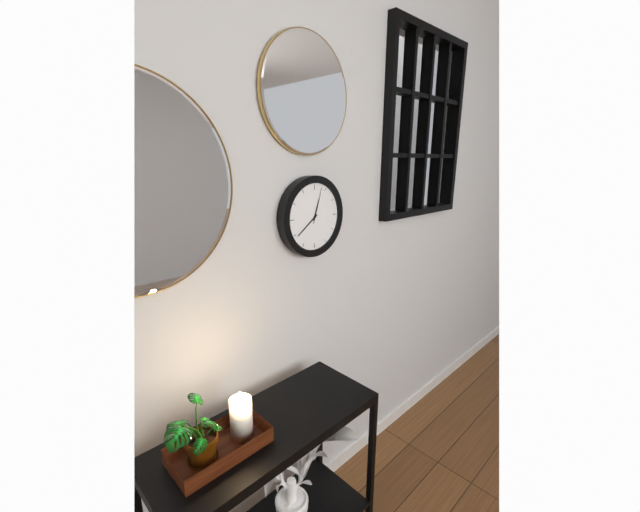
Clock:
12:39
